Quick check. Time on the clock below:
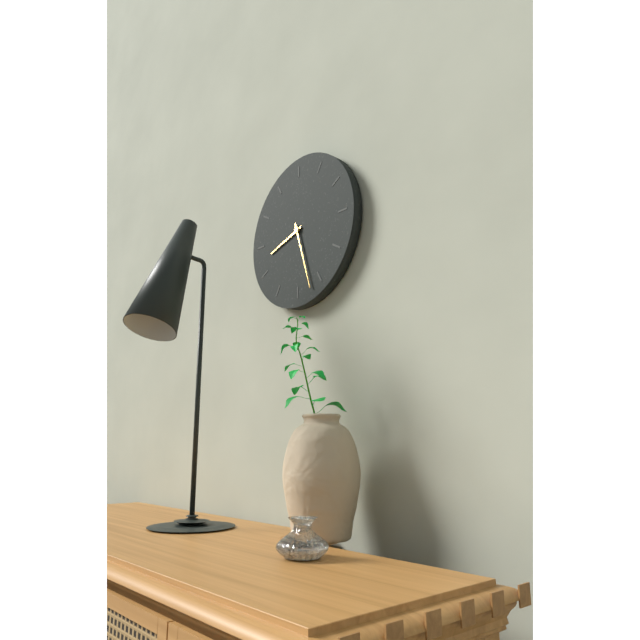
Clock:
8:27
